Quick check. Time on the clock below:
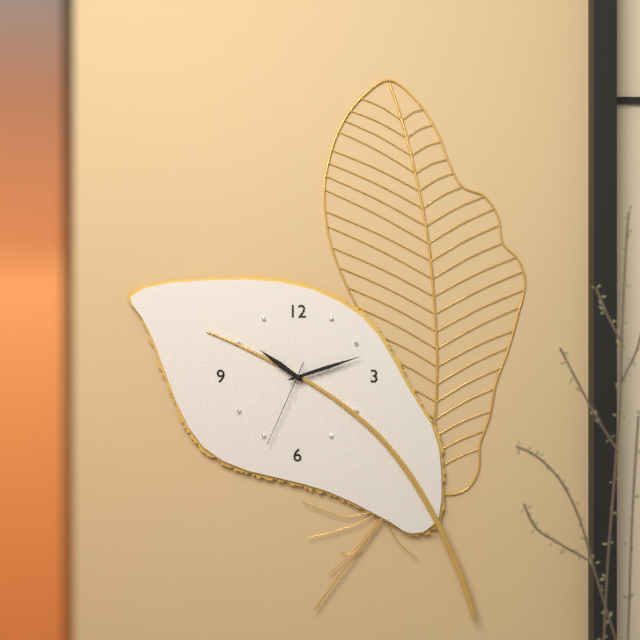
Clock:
10:12:34
